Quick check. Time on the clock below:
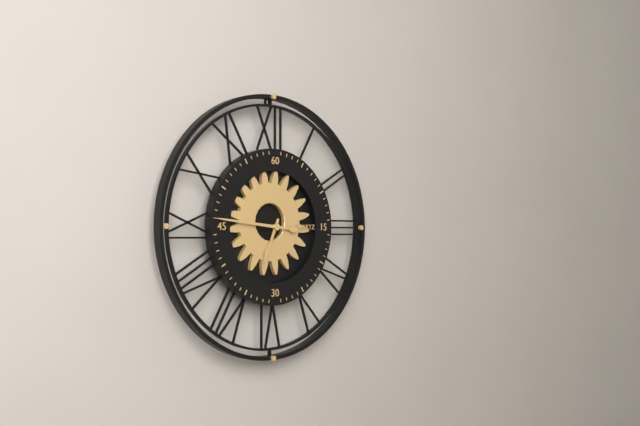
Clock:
6:46
